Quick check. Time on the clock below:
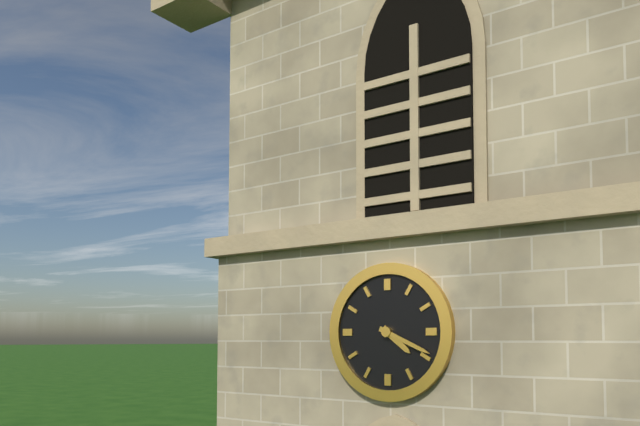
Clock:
4:19
